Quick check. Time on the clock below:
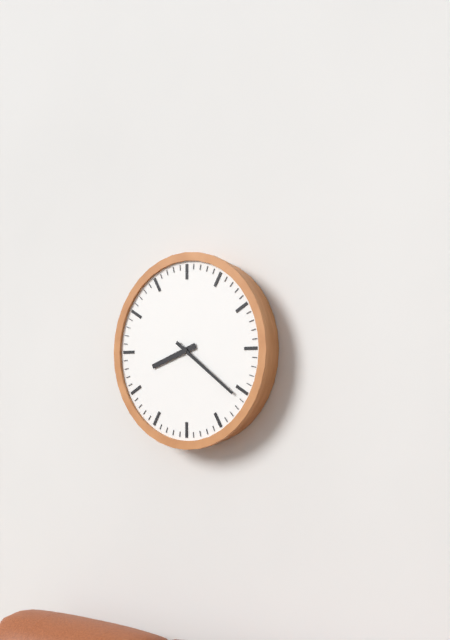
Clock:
8:21
